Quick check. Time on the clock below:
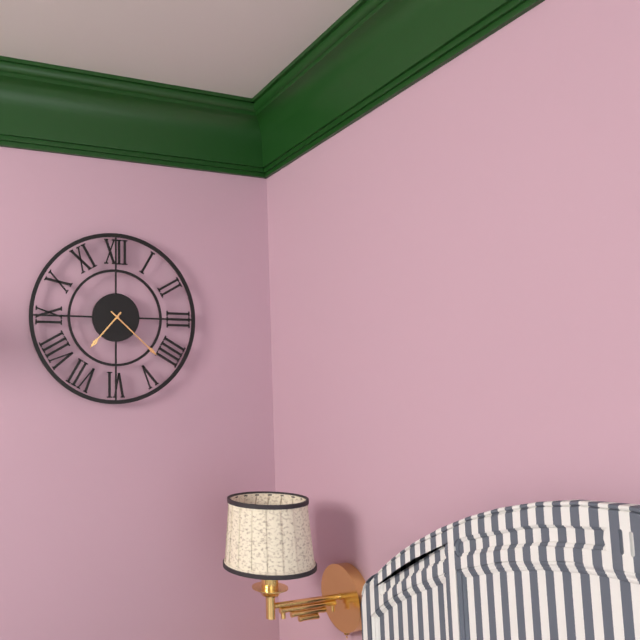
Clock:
7:22
